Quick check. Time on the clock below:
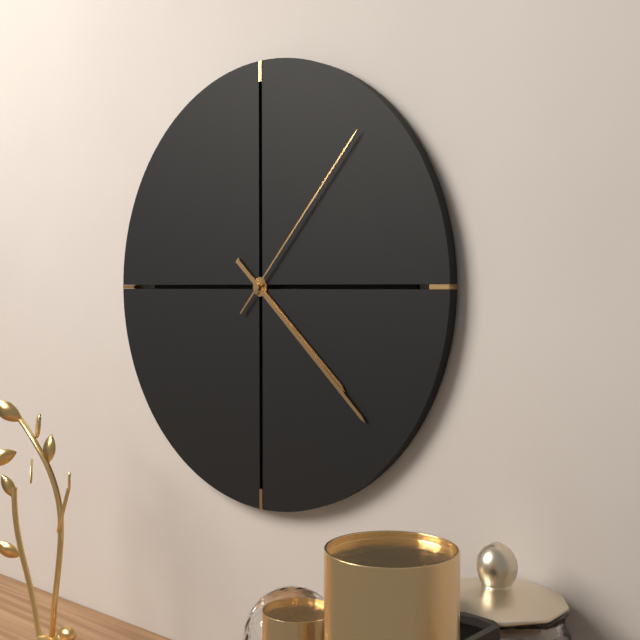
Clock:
4:22:07
